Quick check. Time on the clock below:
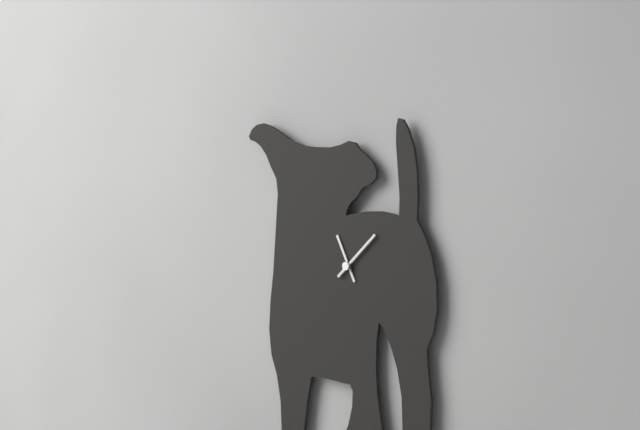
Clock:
11:08
